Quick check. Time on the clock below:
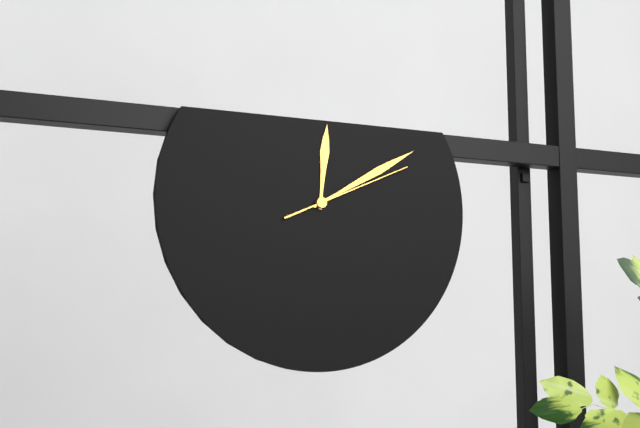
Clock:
12:10:11
